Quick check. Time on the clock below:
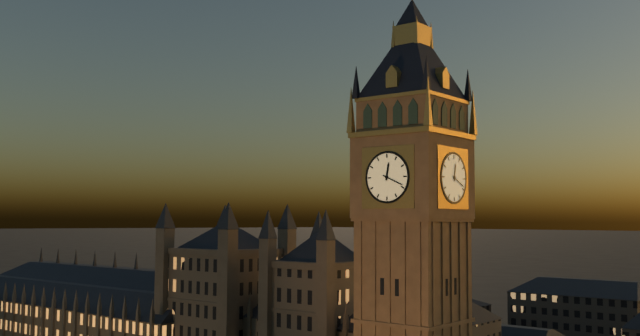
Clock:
12:19
